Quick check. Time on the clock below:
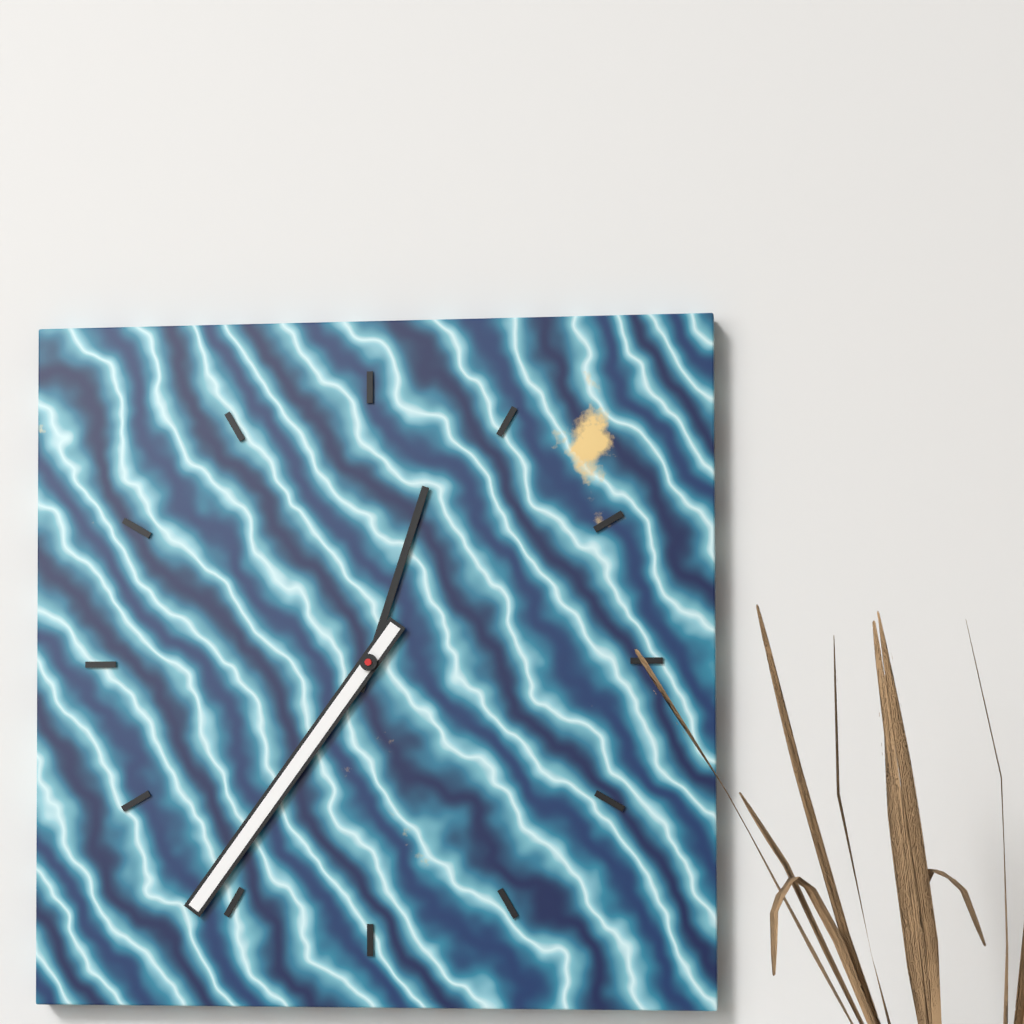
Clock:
12:36
